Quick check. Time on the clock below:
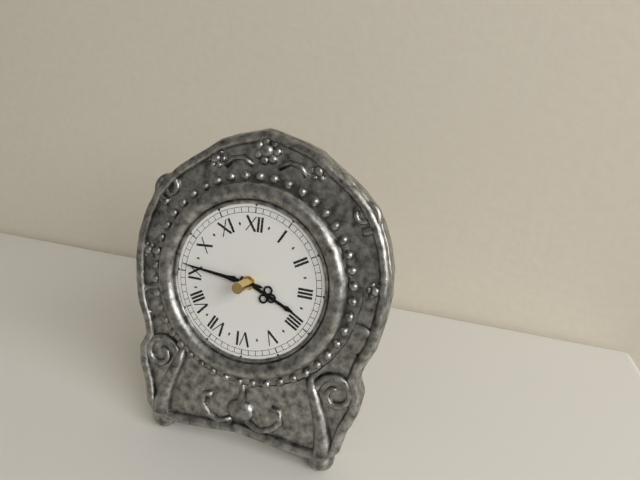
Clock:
3:46
